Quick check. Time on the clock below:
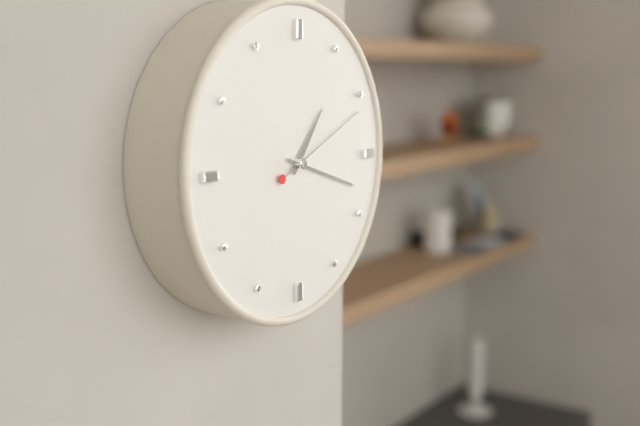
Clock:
1:18:11
